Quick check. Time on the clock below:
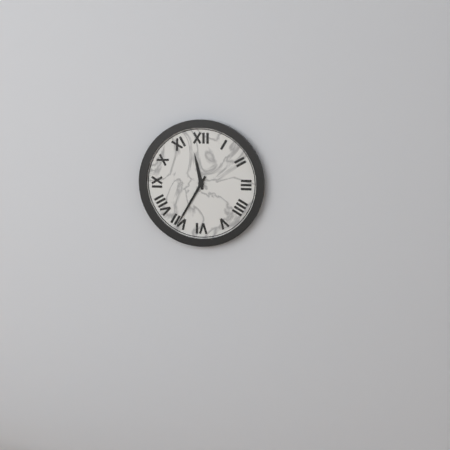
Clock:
11:35
